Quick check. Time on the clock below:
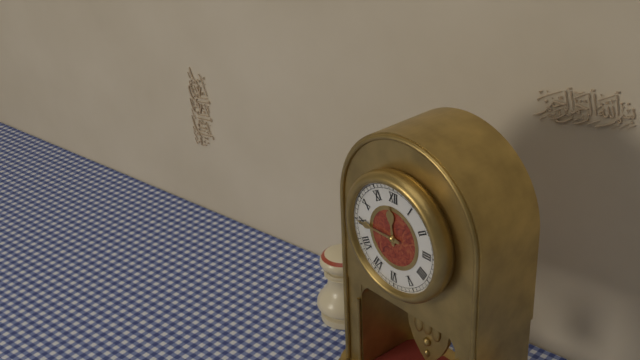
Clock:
11:45
